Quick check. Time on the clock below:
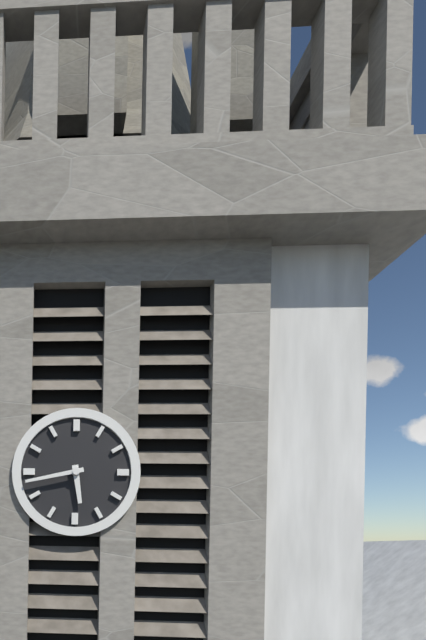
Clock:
5:43
